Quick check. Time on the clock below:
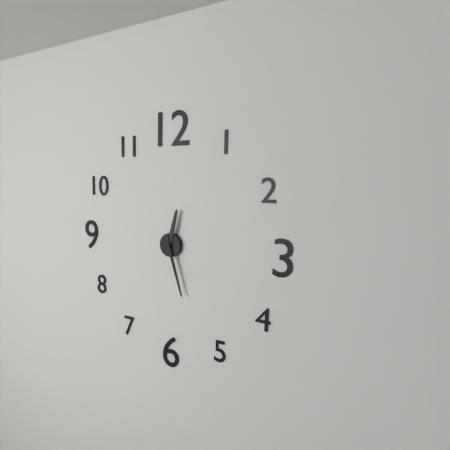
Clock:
12:27
